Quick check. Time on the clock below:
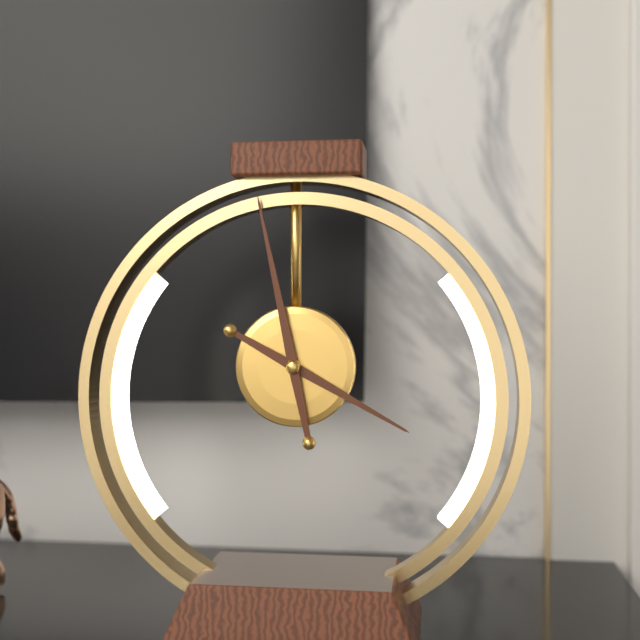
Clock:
3:58
